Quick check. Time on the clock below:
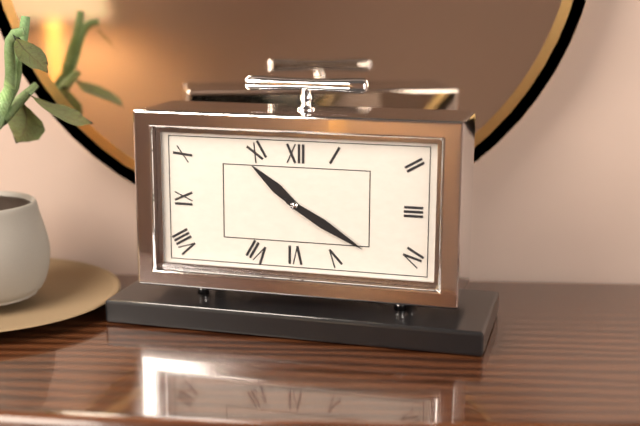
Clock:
10:20
